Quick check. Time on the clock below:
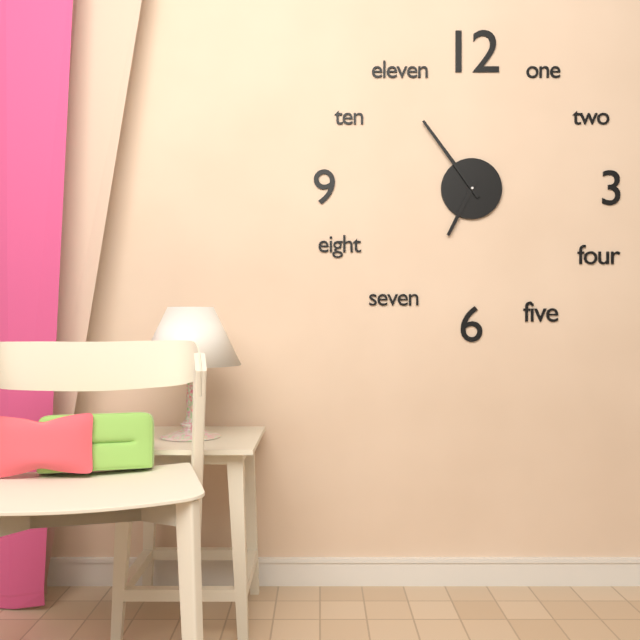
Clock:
6:54
